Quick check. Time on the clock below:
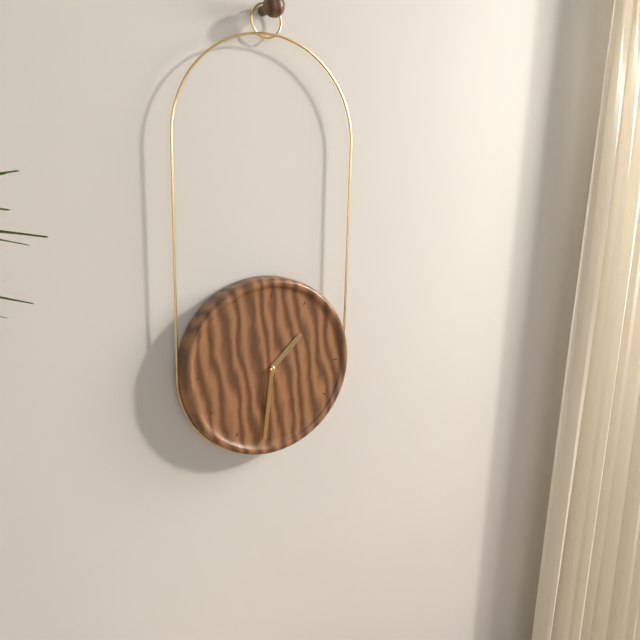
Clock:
1:31
